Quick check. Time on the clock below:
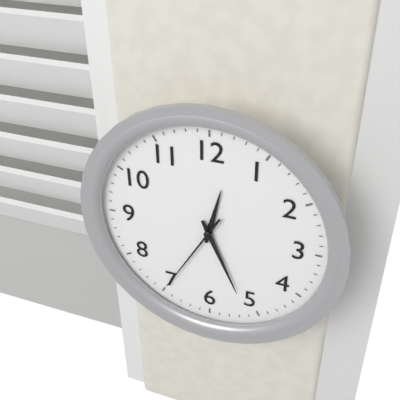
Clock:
12:26:35
